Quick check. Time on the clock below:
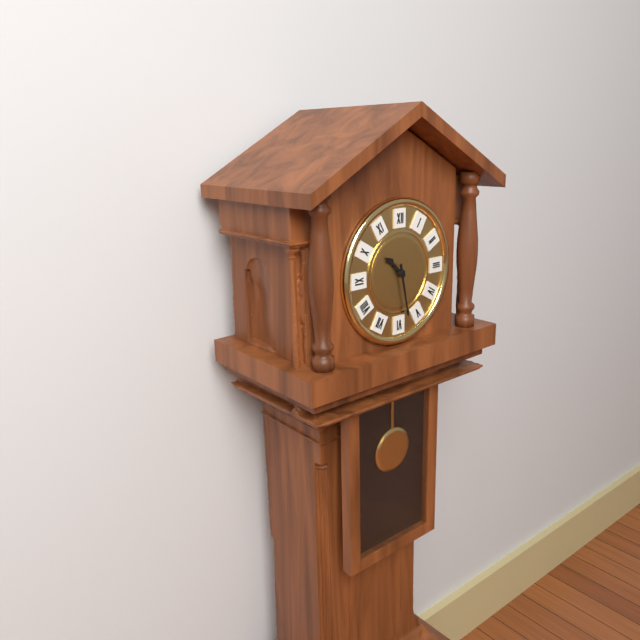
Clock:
10:28
